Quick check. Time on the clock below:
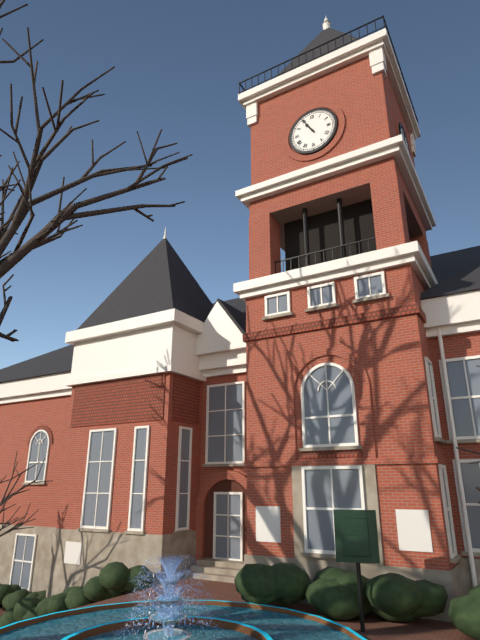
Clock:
10:55
